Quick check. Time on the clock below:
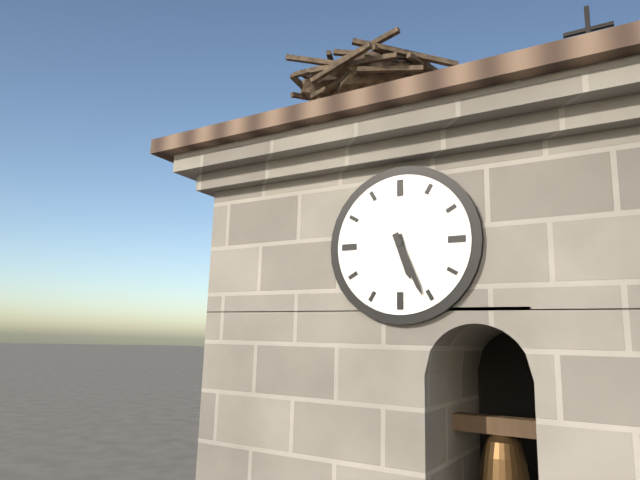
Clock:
5:26
